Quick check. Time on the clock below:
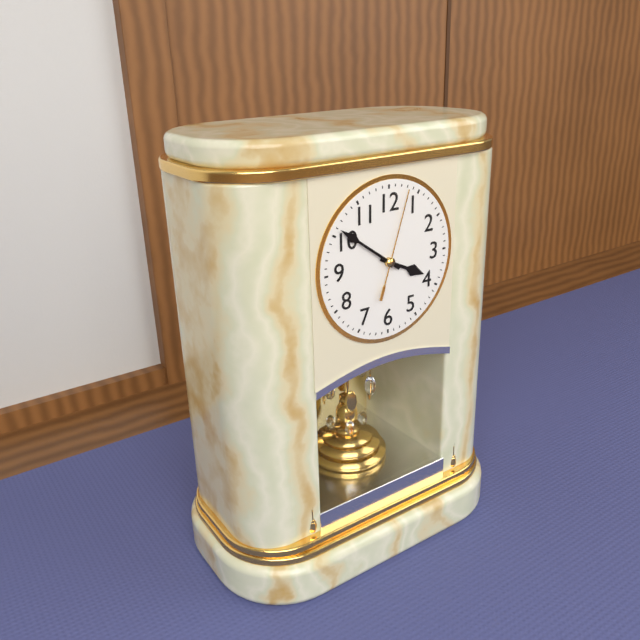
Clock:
3:51:03
